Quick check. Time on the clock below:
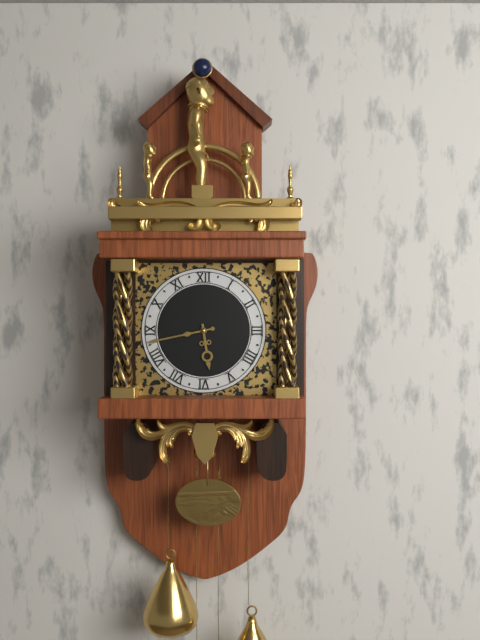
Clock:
5:43
